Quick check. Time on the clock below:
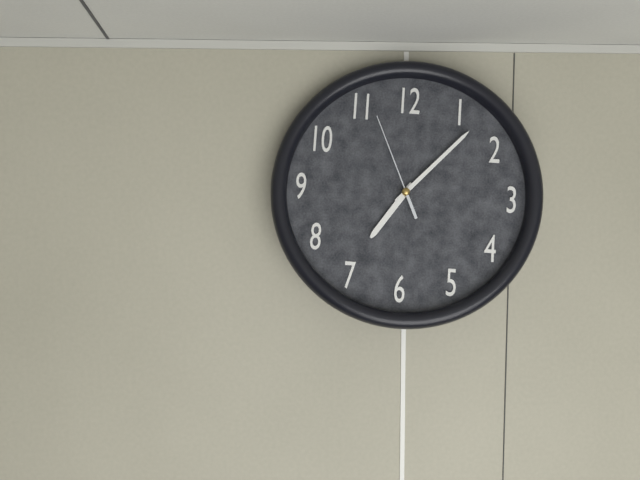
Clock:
7:07:56
